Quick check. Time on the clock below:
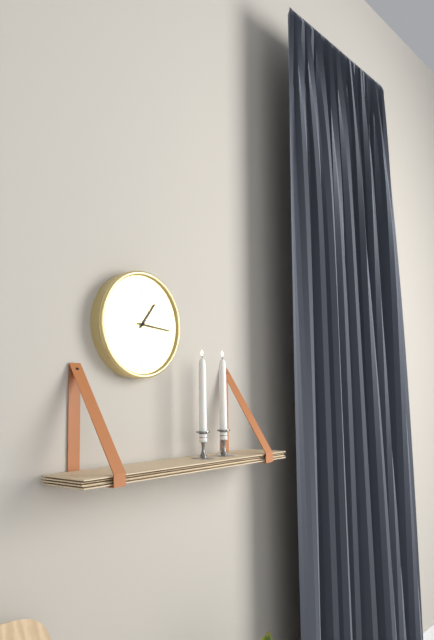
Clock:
1:16
